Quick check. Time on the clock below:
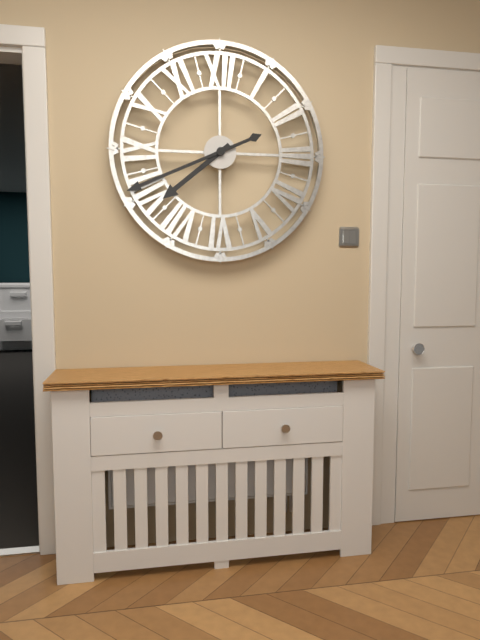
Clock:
7:41
